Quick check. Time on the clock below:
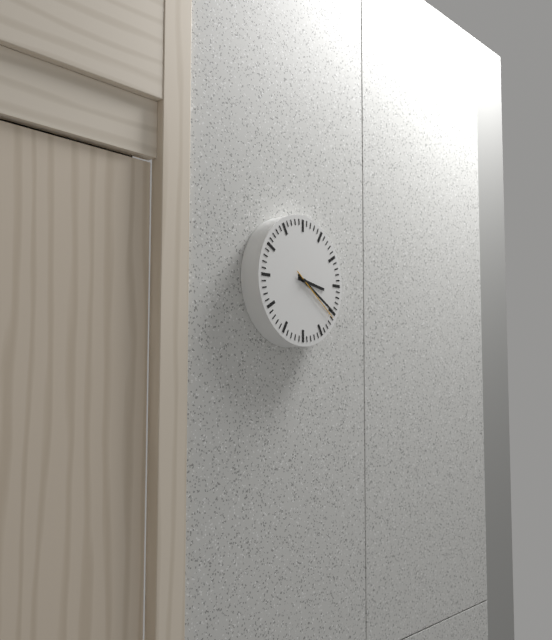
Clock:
3:20:21
